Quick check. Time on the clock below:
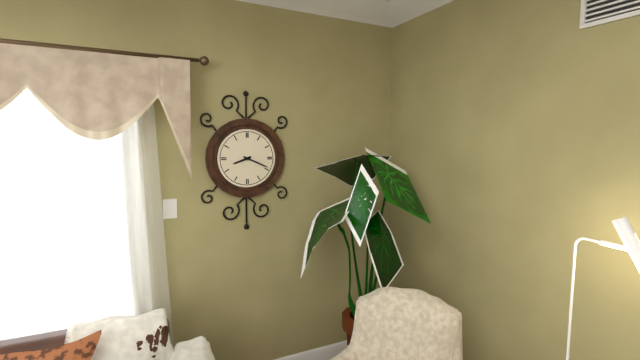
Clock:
8:19
